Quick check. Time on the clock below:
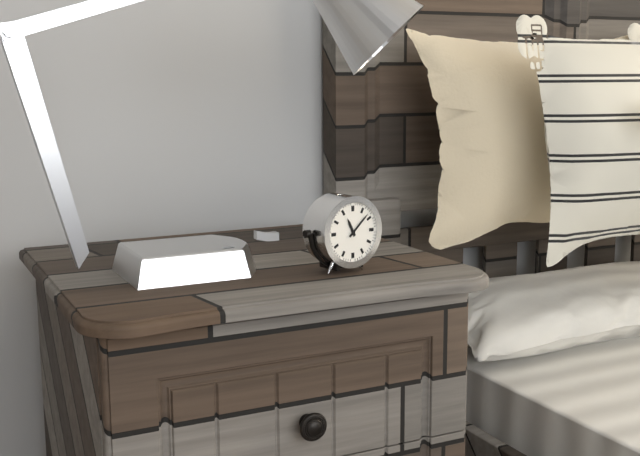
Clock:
11:08
